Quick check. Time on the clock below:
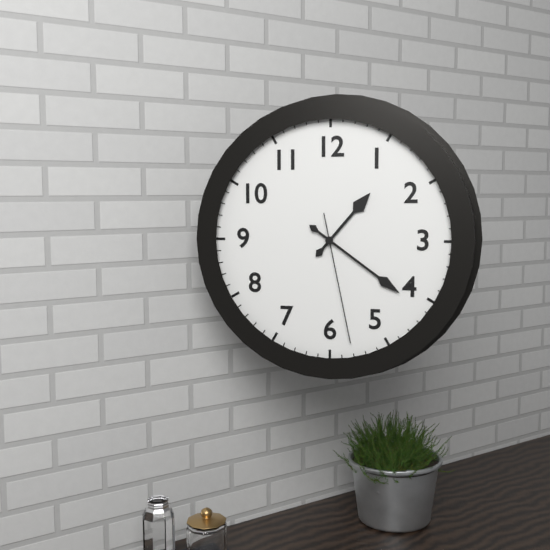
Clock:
1:21:28
